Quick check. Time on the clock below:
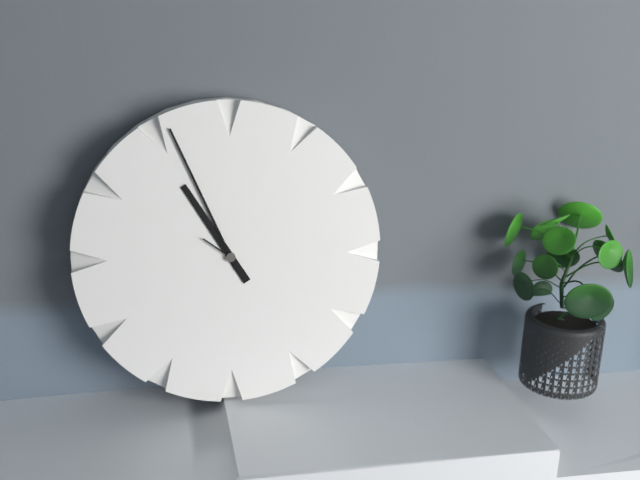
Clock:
10:56
